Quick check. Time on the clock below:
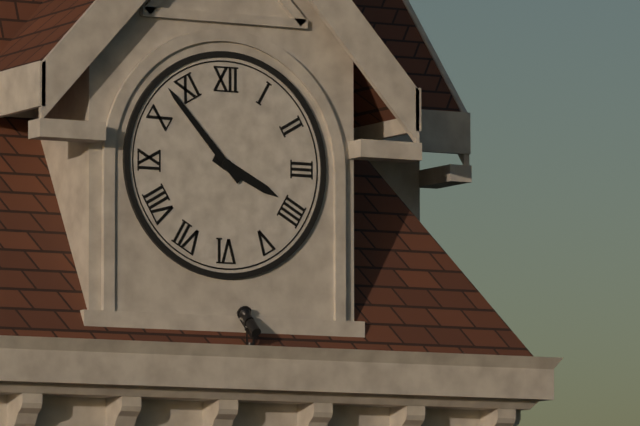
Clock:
3:53
